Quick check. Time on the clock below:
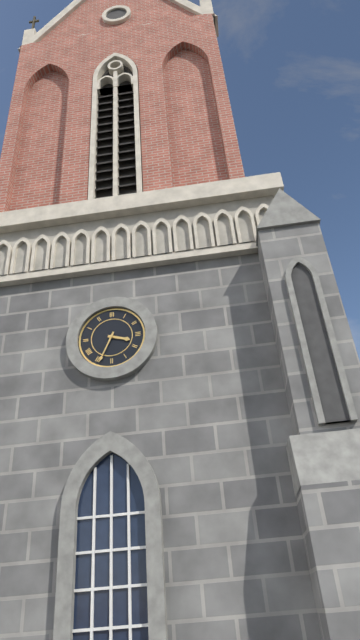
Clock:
3:34
